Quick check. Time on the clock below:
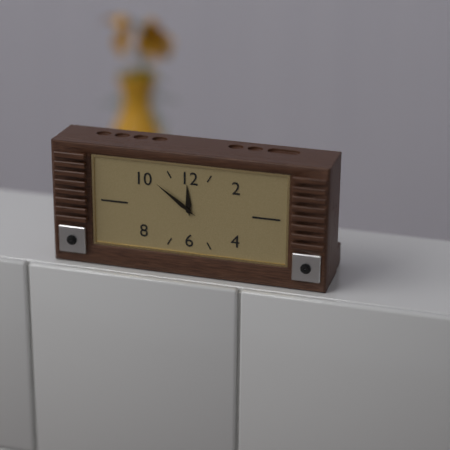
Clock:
11:51
